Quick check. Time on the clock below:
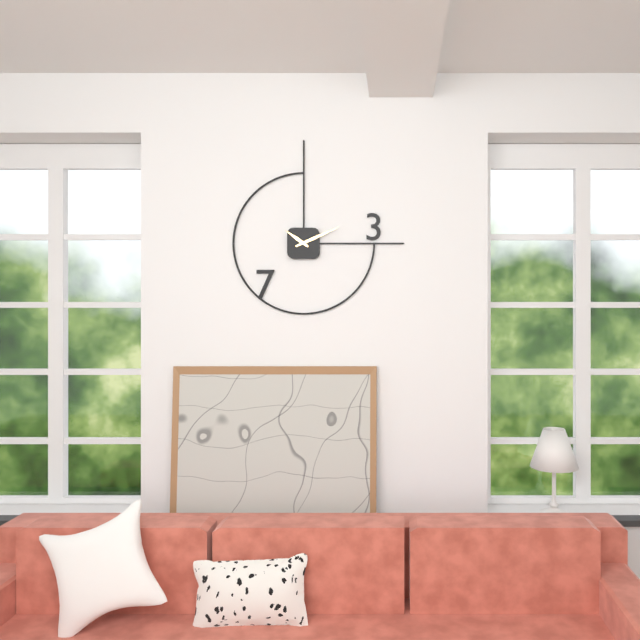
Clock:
10:11
